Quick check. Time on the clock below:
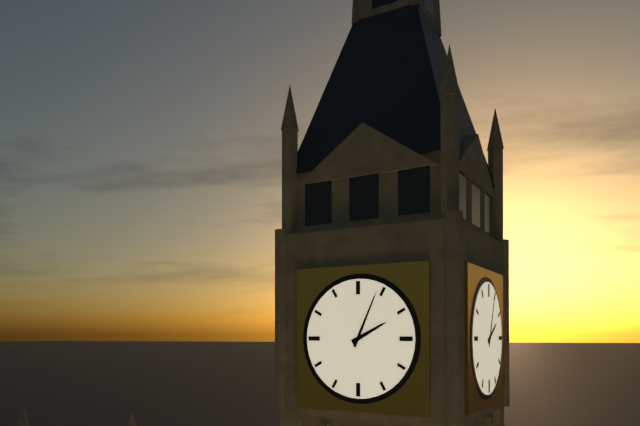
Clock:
2:04
